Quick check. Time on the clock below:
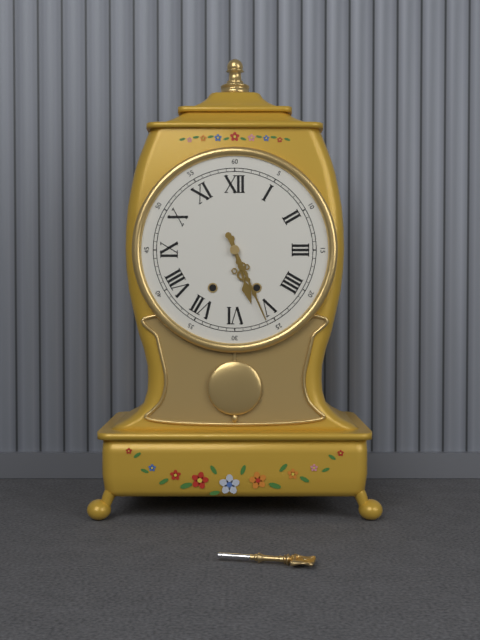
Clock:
5:26
